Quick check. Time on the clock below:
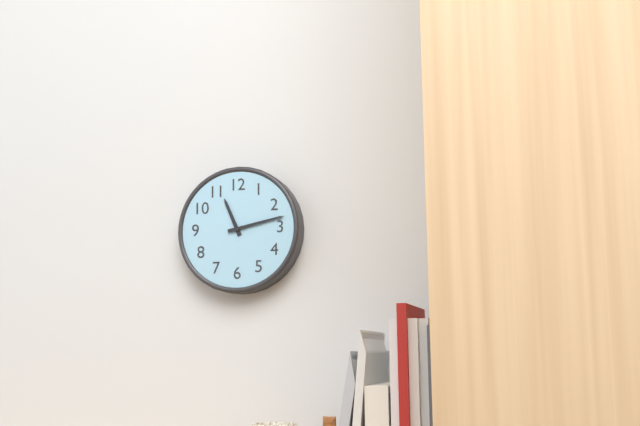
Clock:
11:13
